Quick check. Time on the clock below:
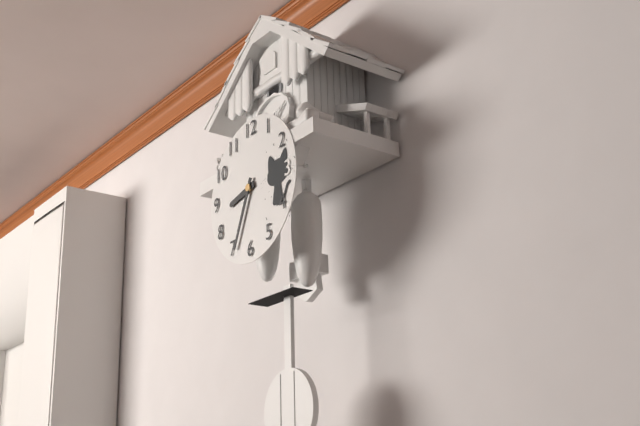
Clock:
8:34
